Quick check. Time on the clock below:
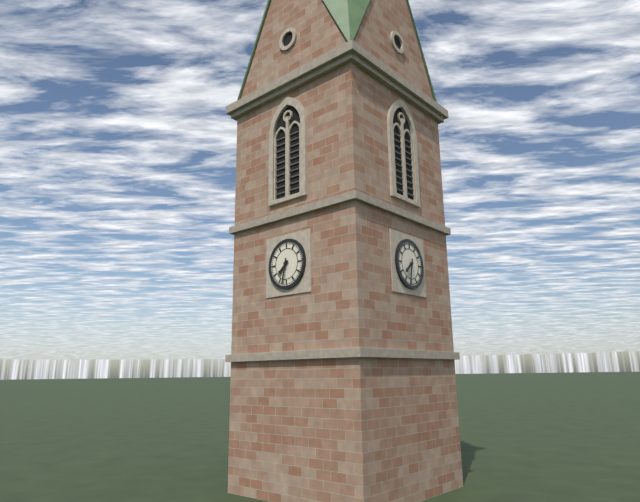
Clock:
7:32
